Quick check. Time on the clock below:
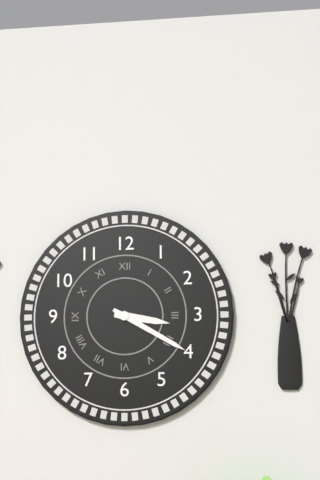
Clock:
3:20
